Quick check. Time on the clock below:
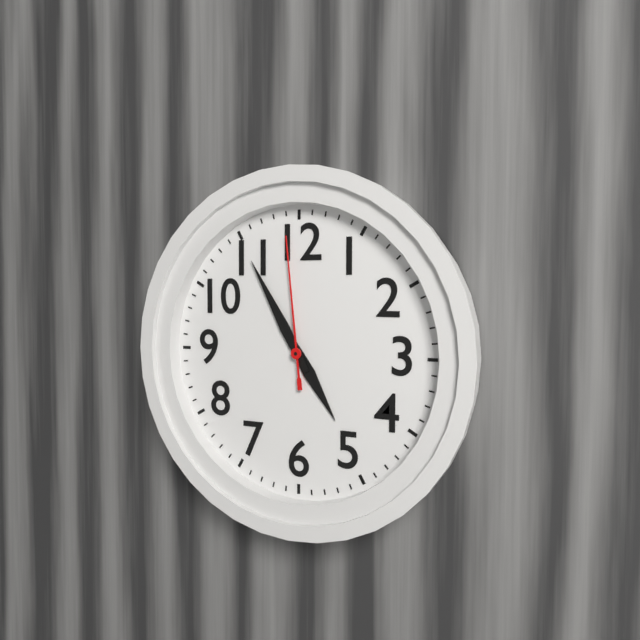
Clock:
4:55:59
